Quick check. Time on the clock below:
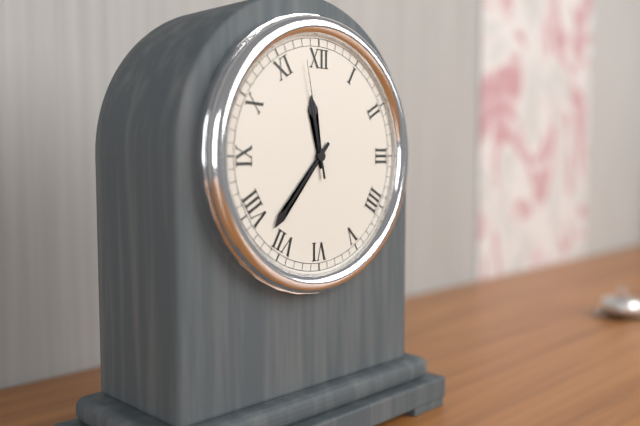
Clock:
11:37:58
